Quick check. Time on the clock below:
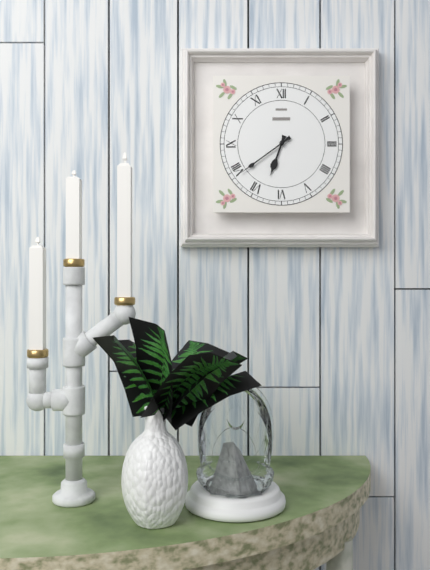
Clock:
6:39
